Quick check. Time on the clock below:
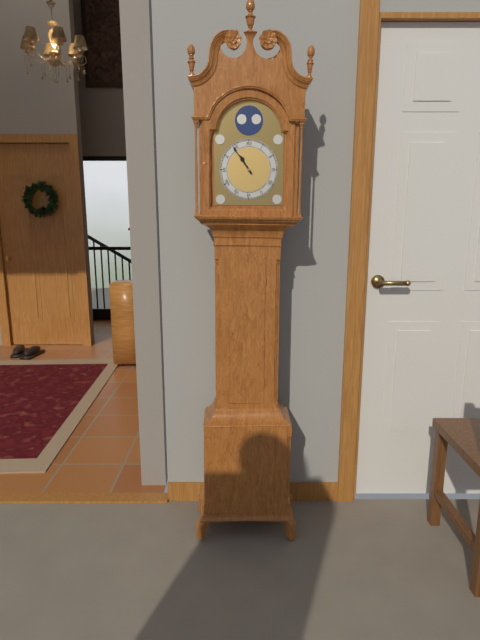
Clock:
10:54
